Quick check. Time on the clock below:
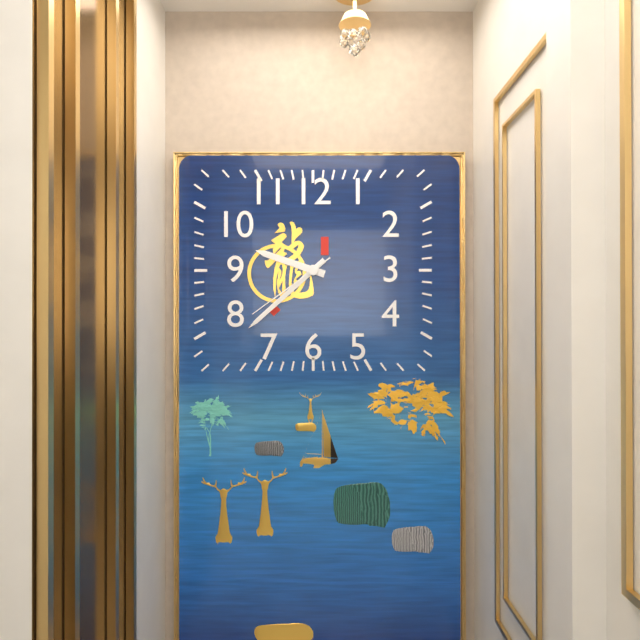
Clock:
9:38:39
